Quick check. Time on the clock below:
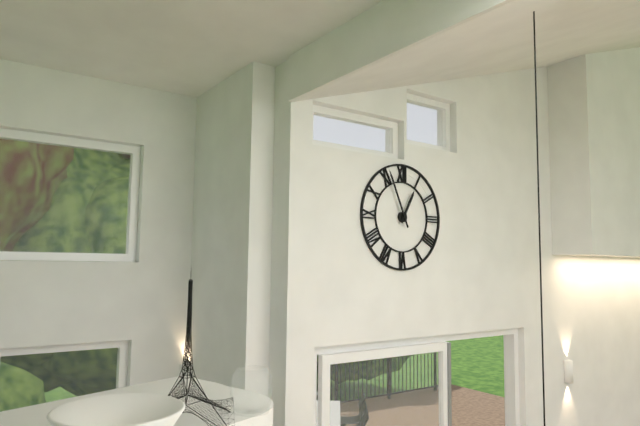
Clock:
12:56
